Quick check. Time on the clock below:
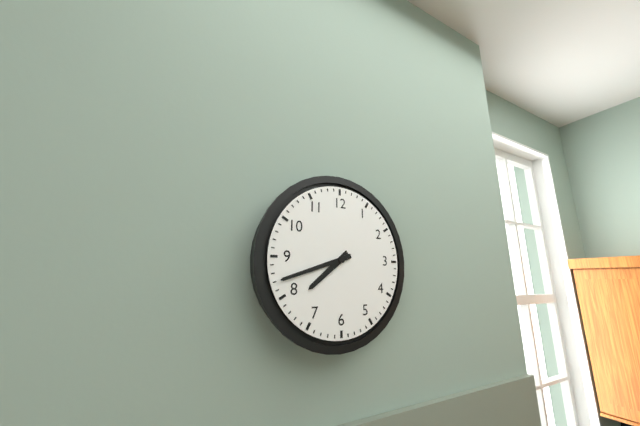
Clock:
7:42
